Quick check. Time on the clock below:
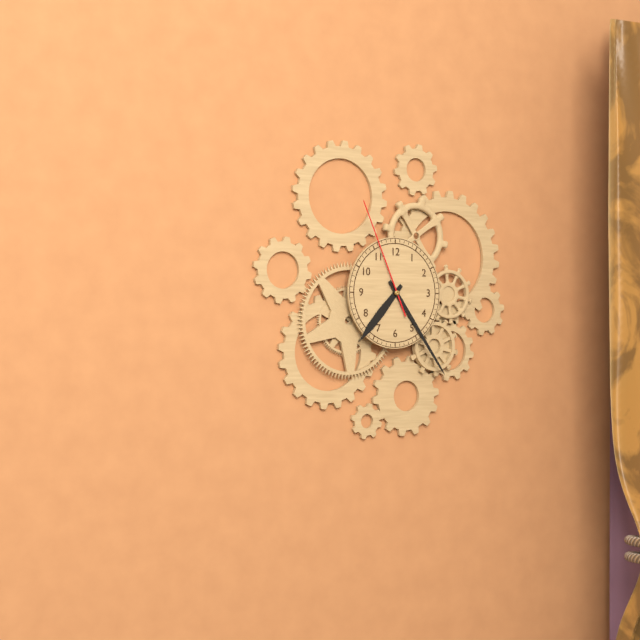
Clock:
7:24:56
